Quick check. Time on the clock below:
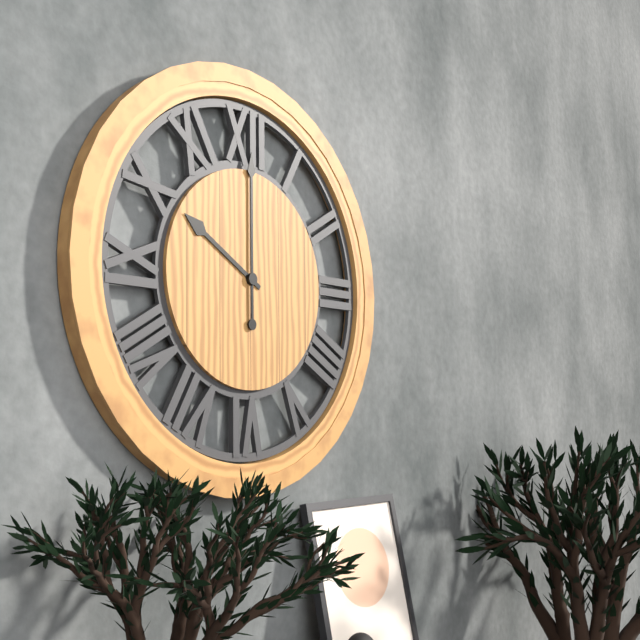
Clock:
10:00
